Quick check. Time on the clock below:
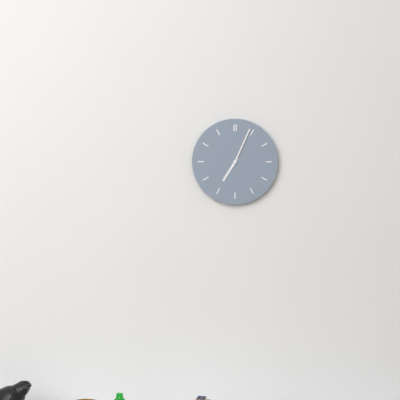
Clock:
7:04
